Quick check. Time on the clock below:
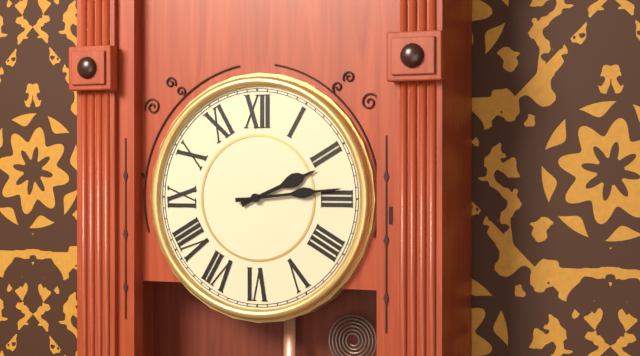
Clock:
2:14
